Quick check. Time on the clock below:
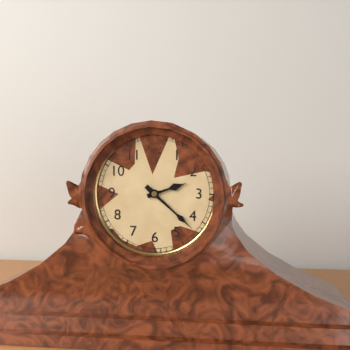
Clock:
2:22
